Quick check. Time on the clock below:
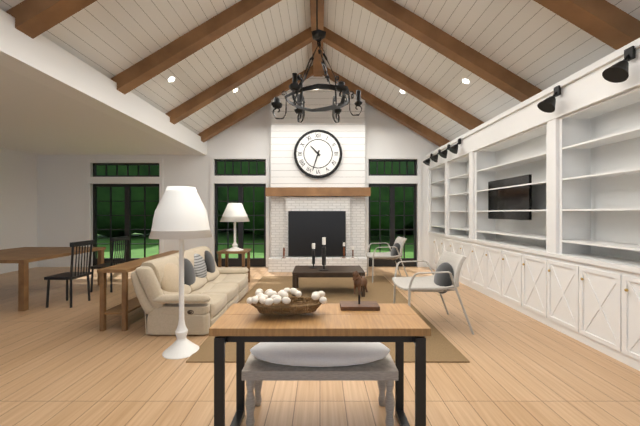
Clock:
10:33
